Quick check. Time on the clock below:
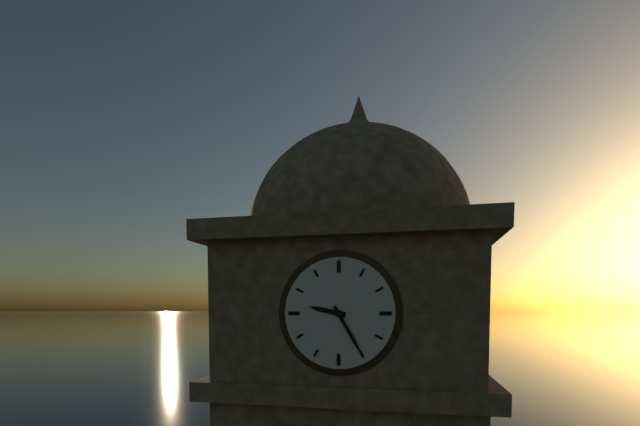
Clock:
9:25
